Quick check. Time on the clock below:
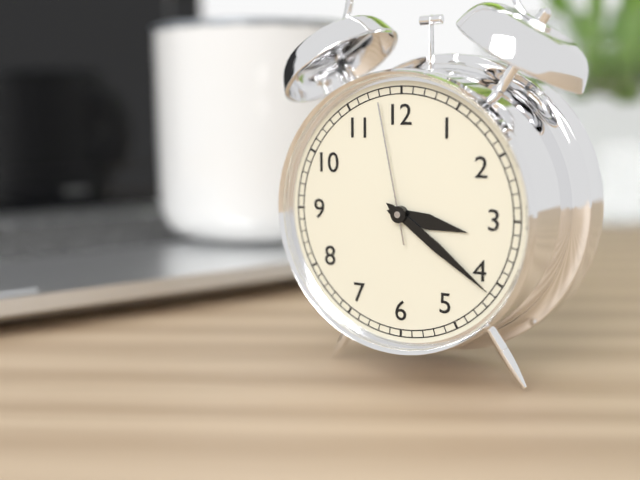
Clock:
3:21:58
